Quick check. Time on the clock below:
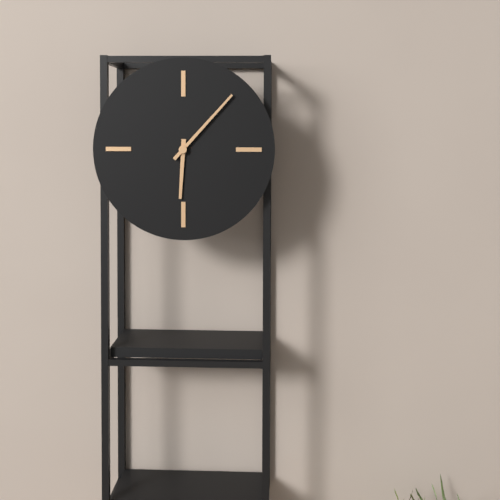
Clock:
6:07
